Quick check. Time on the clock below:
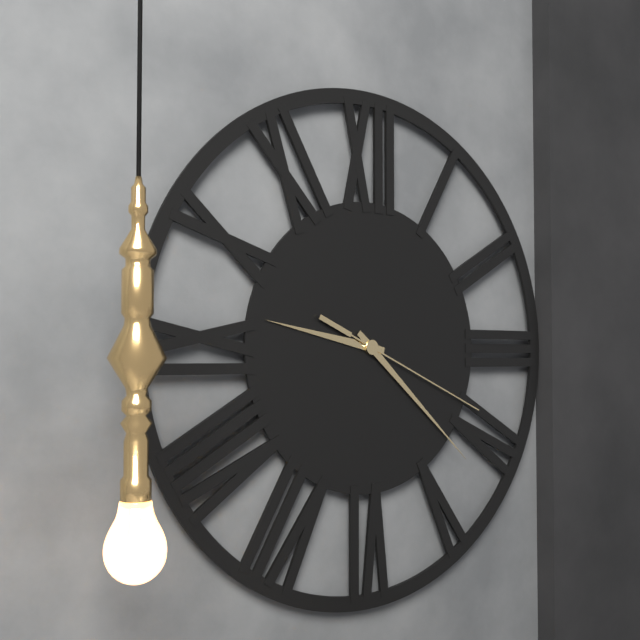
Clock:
9:22:19
